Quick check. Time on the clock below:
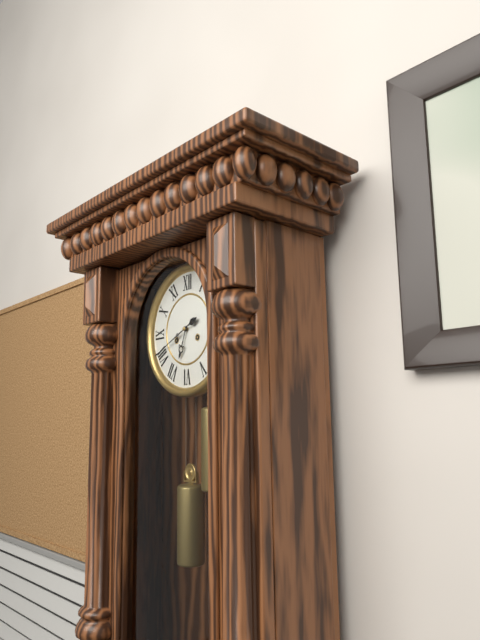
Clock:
6:41
